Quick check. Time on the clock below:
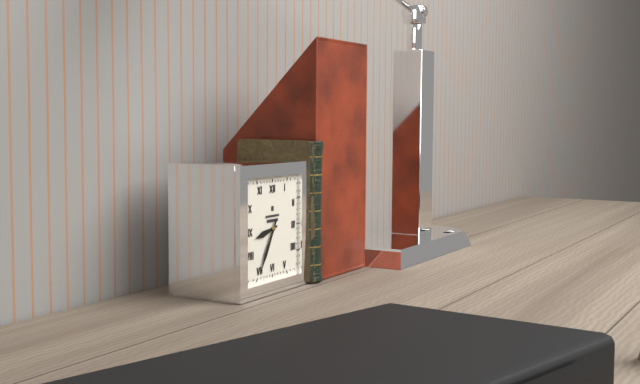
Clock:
8:35
